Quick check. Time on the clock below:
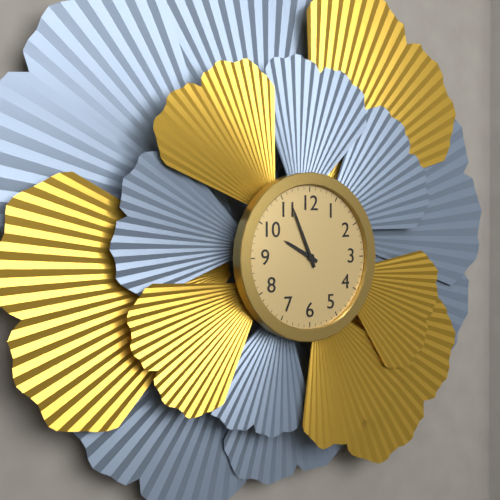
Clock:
9:56
